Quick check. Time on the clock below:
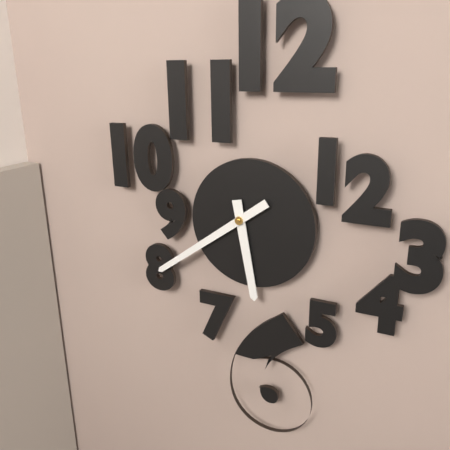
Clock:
5:39
